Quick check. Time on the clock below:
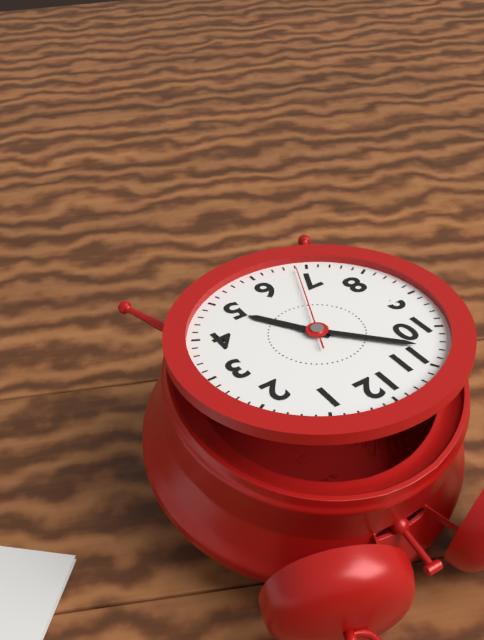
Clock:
4:53:34
